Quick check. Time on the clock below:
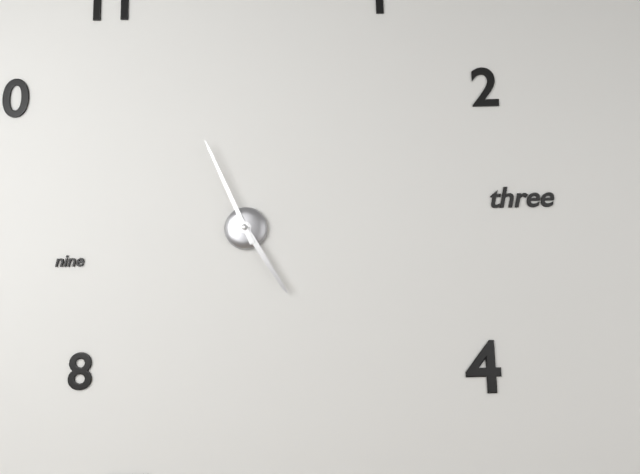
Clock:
4:56
